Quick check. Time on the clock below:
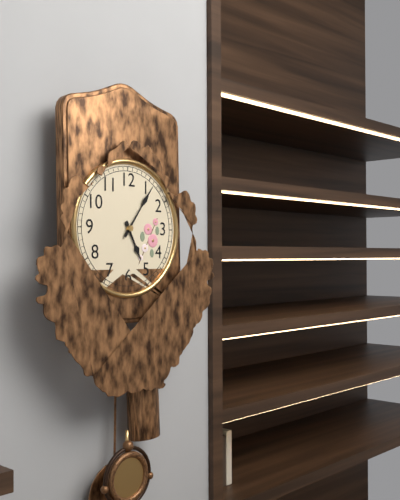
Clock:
5:06
